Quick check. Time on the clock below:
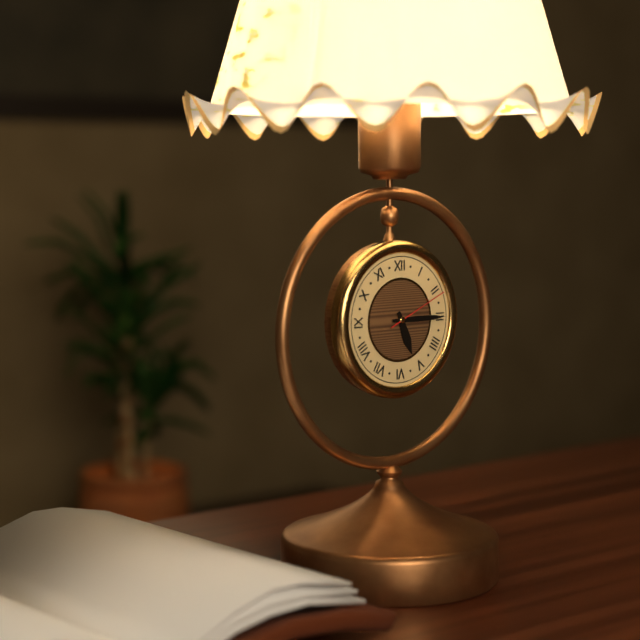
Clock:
5:15:11
